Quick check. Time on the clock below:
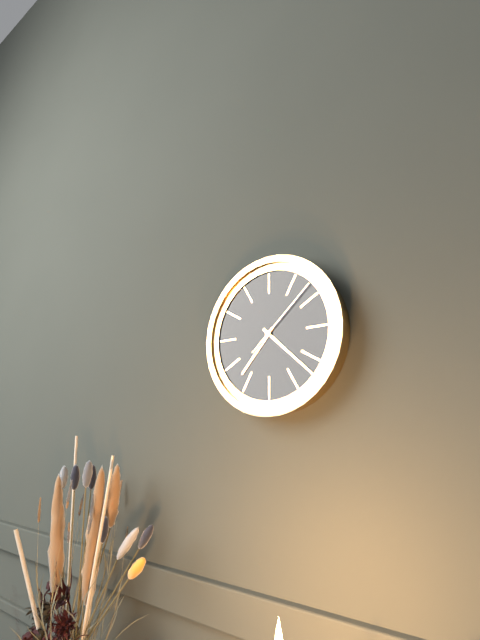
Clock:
7:22:08
